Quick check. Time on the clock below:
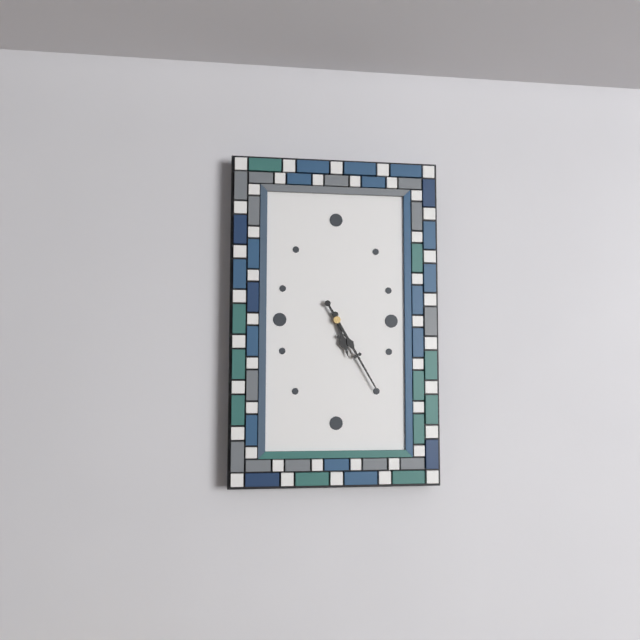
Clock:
5:25
